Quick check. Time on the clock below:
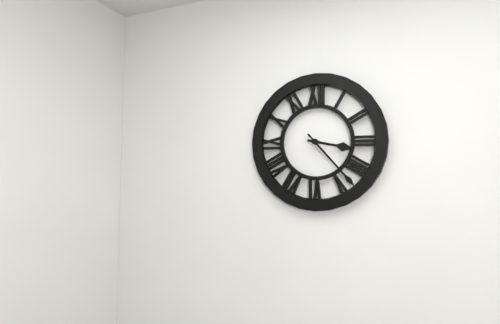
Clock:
3:23
